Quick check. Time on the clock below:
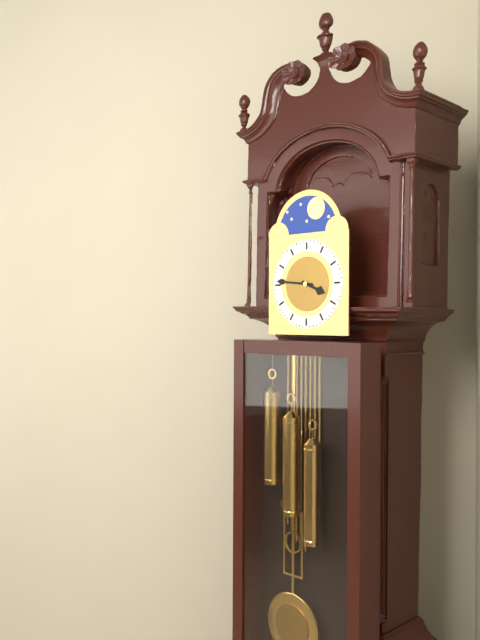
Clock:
3:46
